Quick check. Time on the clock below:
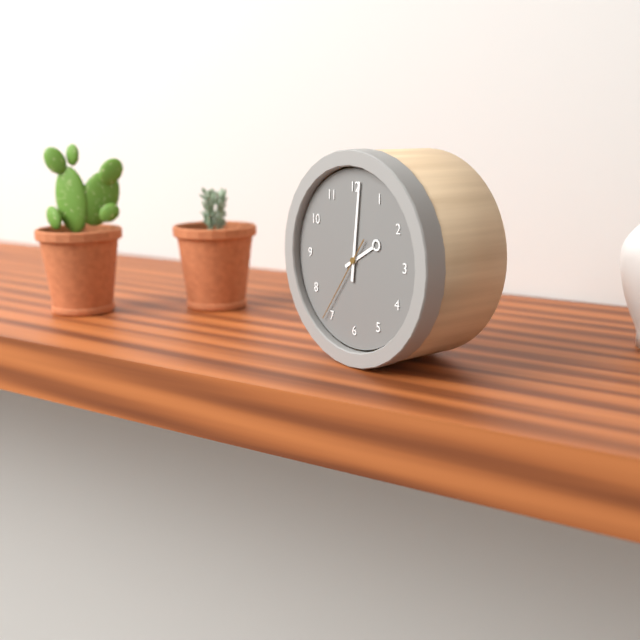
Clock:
2:01:36
